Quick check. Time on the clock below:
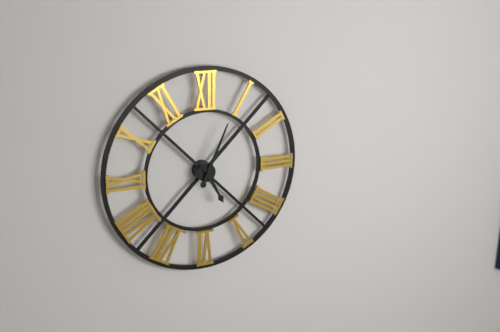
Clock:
5:04
